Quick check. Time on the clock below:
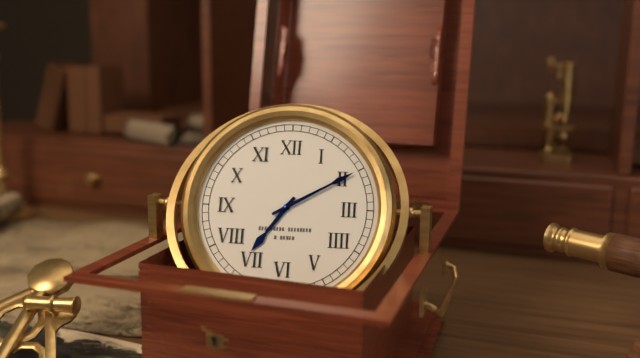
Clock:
7:10
